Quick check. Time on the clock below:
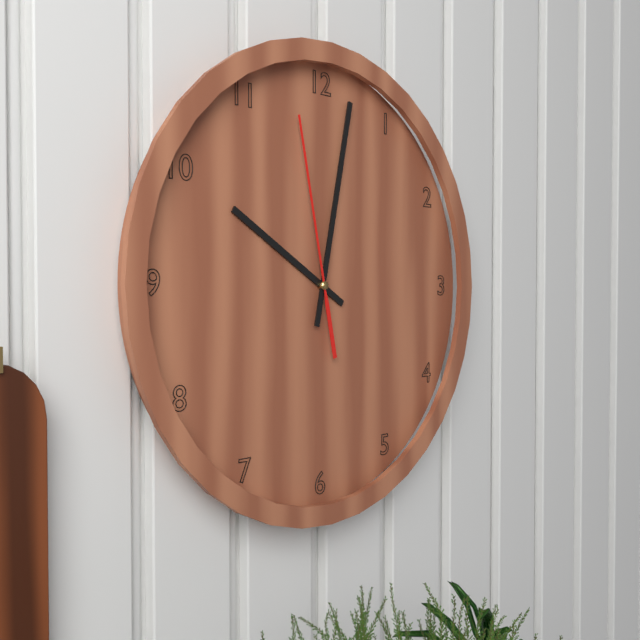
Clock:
10:02:58
